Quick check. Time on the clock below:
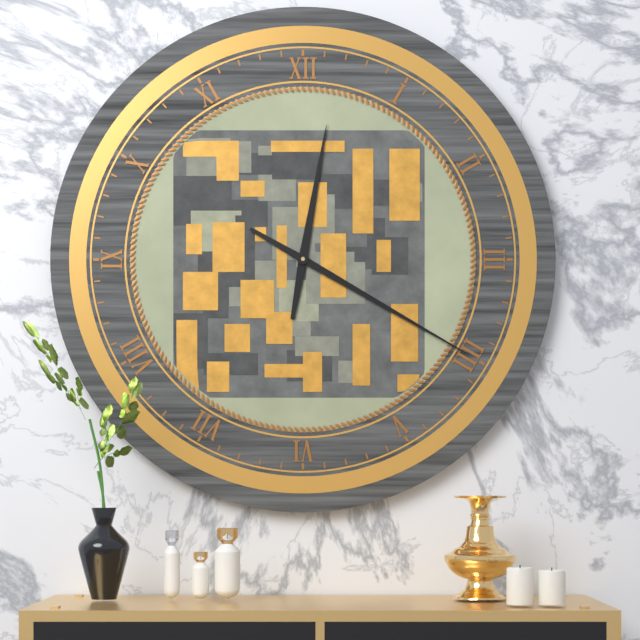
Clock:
12:20
